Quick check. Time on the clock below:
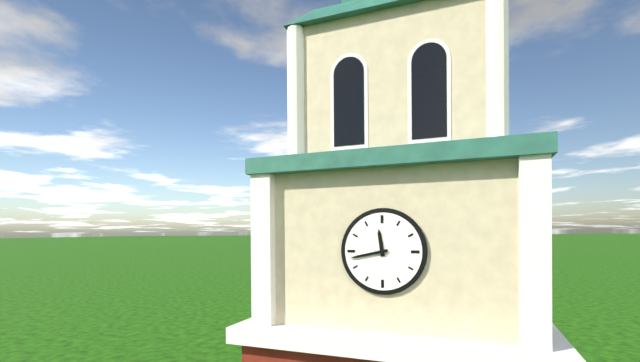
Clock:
11:43
